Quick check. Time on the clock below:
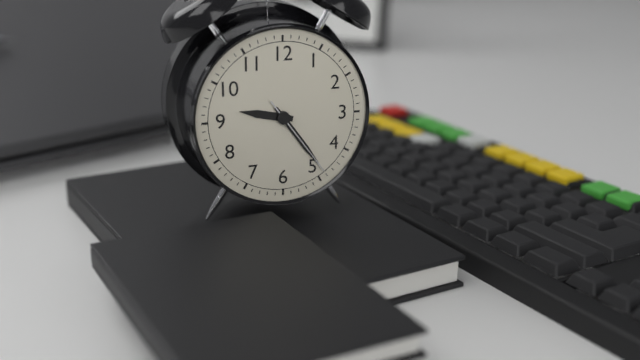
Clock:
9:24:24
